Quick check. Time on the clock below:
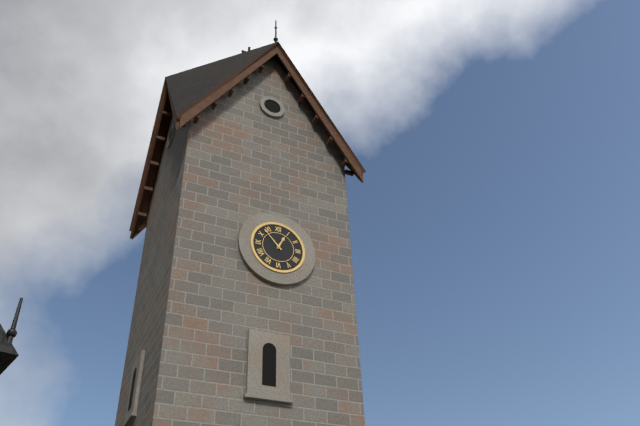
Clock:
12:53
